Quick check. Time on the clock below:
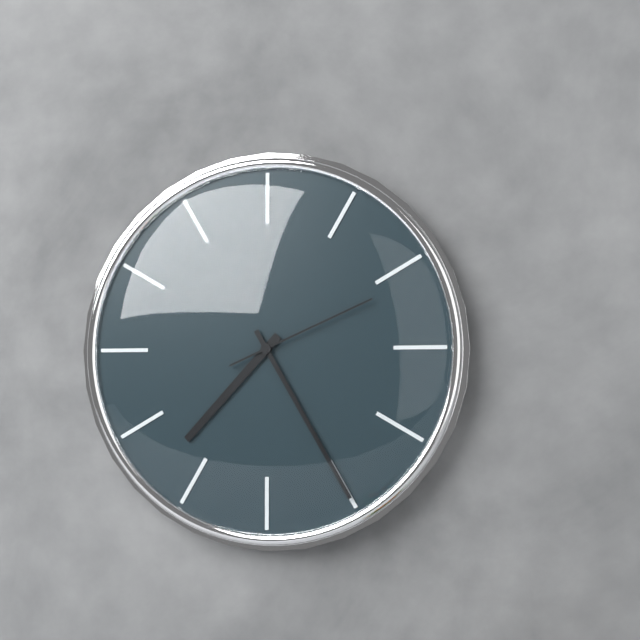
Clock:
7:25:11
